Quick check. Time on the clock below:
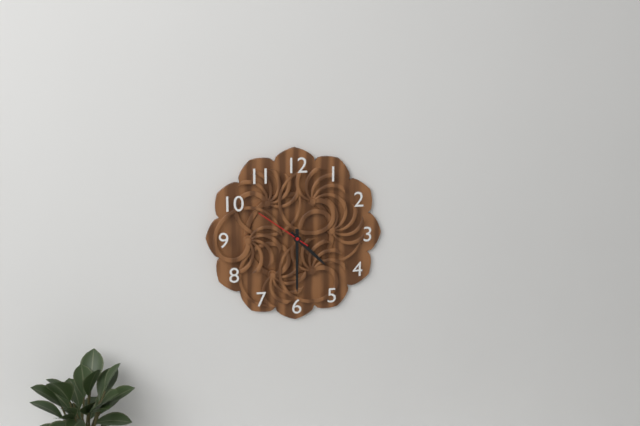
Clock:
4:30:51
